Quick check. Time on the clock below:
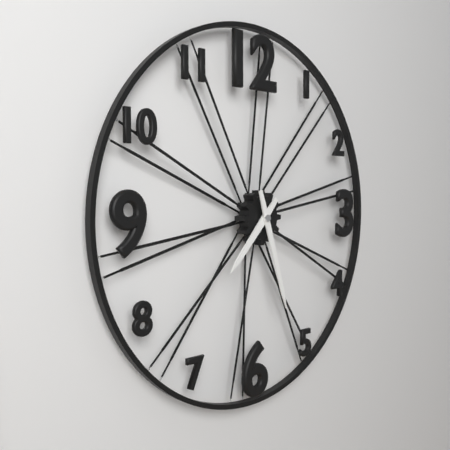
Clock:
7:27
